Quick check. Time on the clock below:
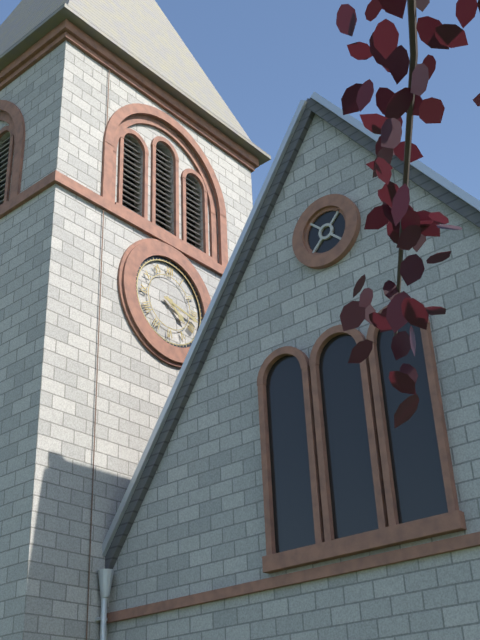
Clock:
4:17
